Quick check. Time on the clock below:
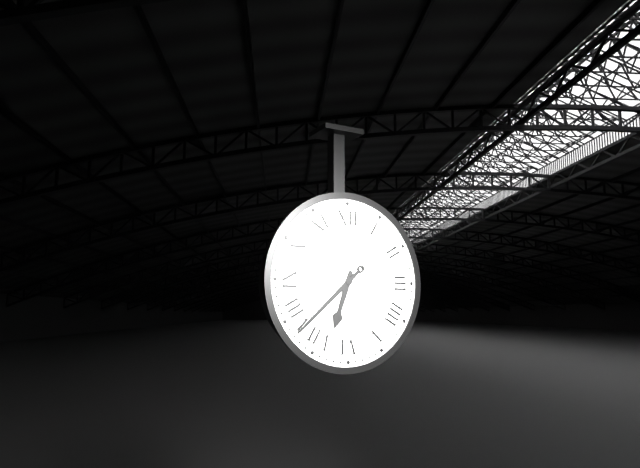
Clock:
6:38
